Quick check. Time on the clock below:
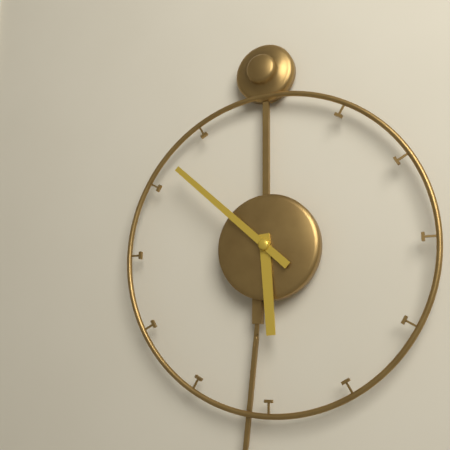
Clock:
5:52
